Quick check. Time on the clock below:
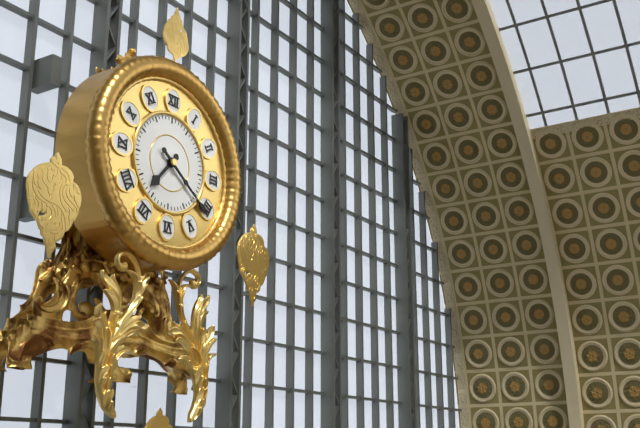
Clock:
7:21
